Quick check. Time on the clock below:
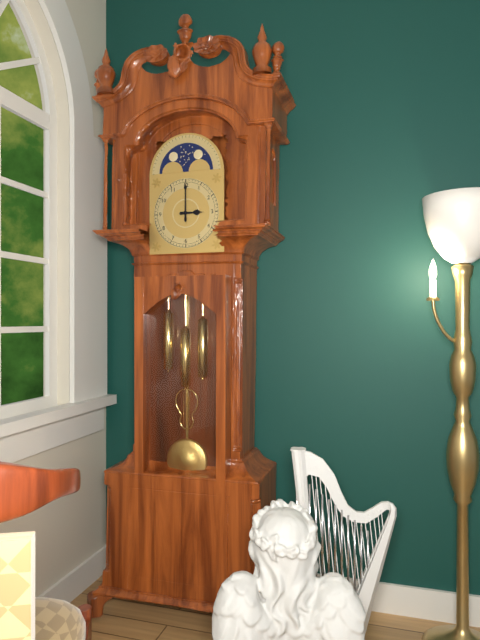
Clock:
3:00
